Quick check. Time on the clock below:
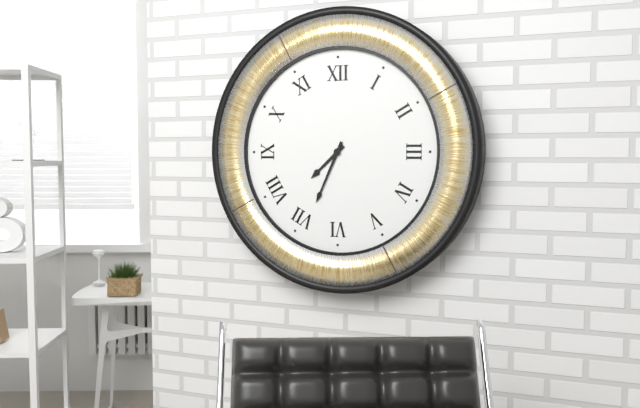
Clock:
7:34
